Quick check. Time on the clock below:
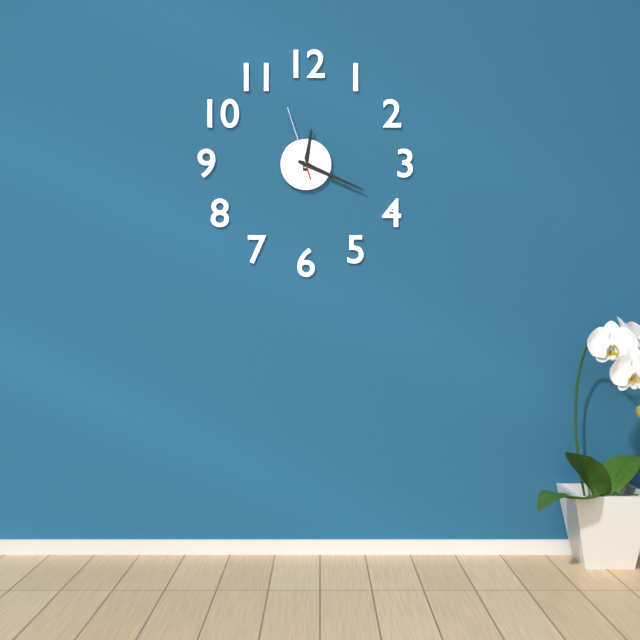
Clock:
12:19:57
